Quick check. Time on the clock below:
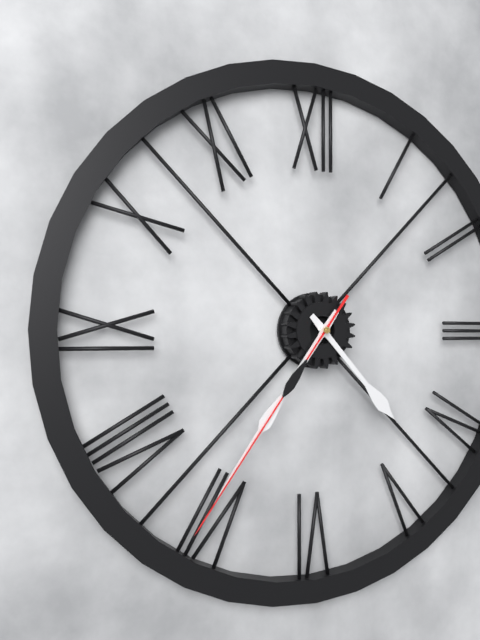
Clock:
4:36:36
